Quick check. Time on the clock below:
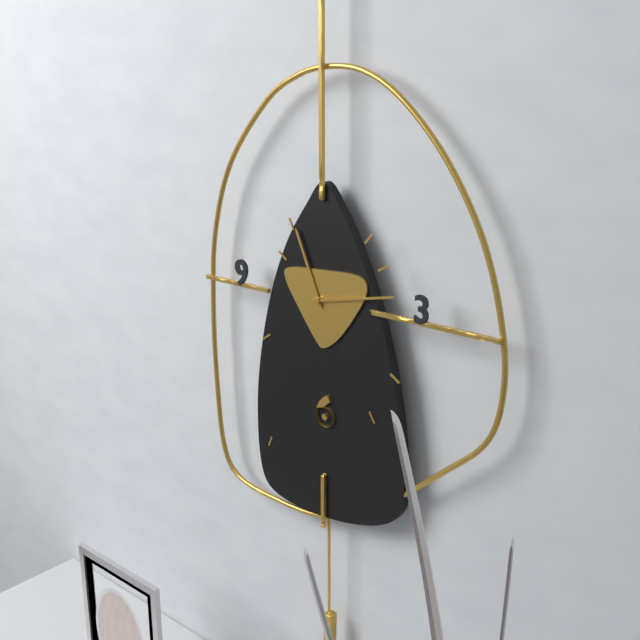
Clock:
11:13
